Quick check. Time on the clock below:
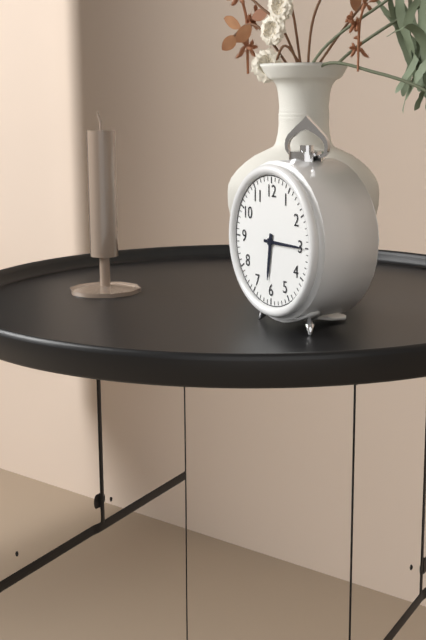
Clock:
6:15
